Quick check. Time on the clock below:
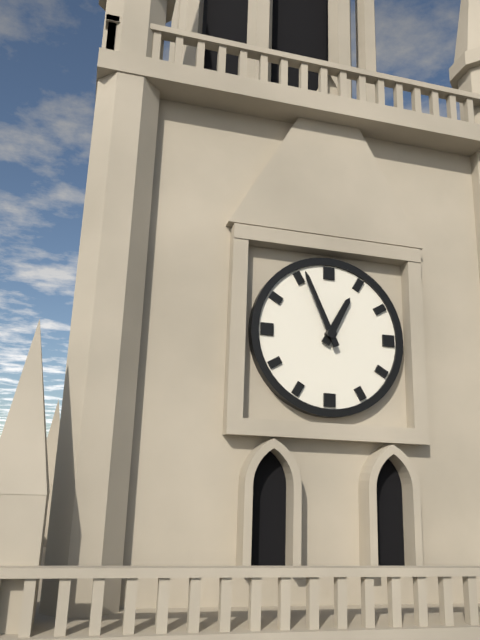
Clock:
12:56
